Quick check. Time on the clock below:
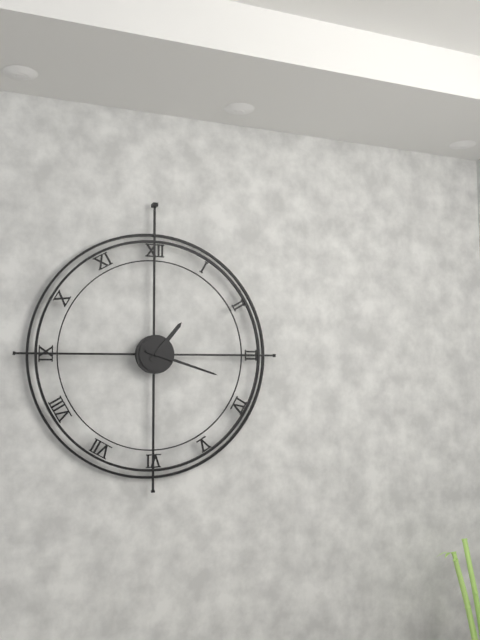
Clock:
1:18
